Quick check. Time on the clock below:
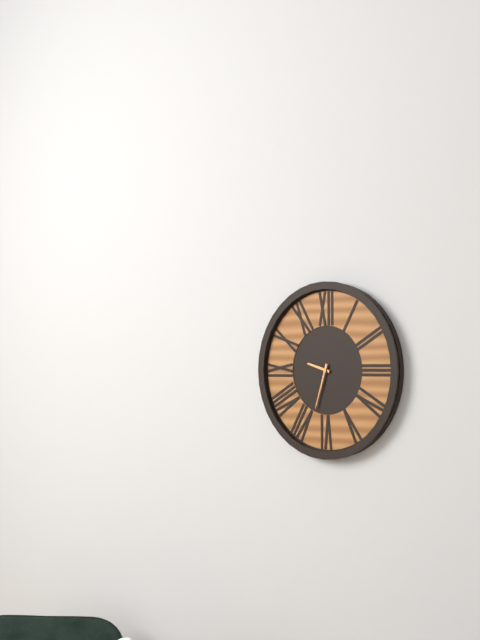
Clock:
9:33
